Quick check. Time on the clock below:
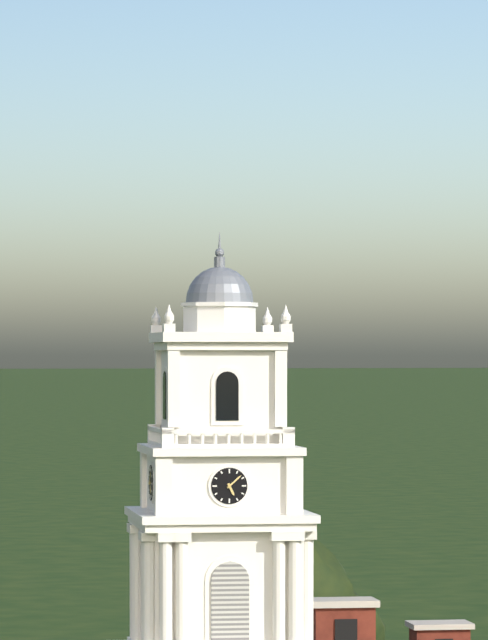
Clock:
5:08
